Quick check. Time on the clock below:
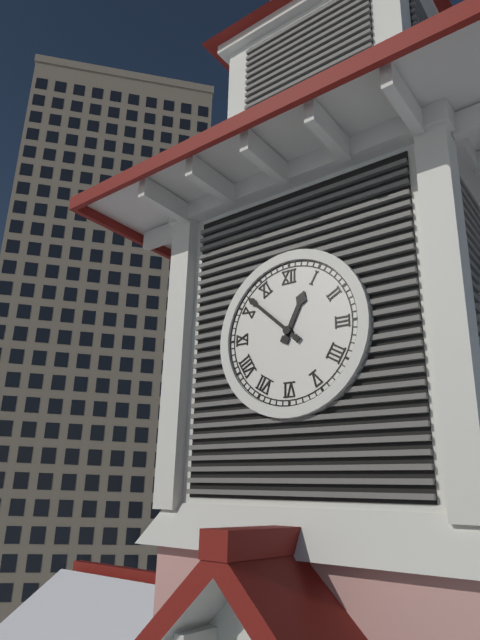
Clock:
12:52
